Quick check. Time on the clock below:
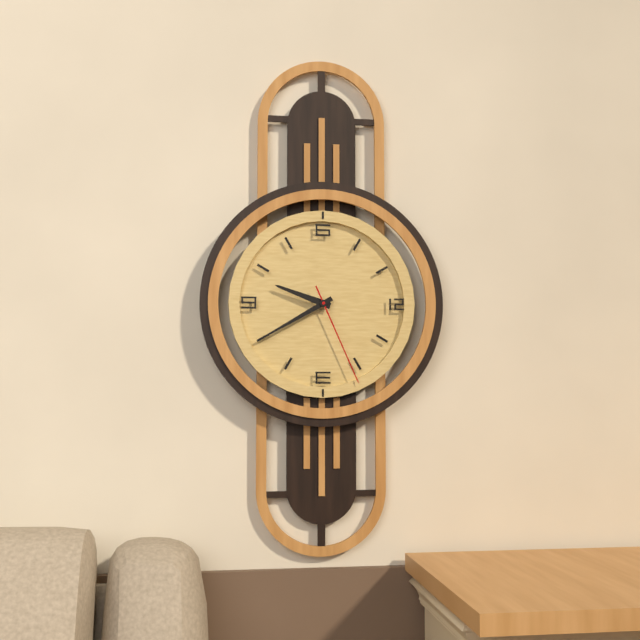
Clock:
9:40:26
